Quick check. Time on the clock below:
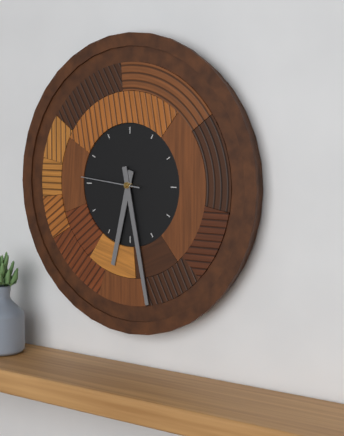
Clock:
6:28:46
